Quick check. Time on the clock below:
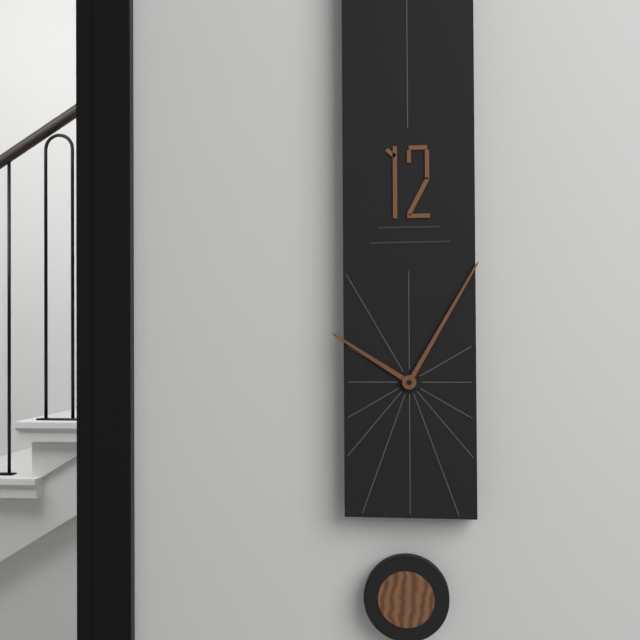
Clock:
10:05
